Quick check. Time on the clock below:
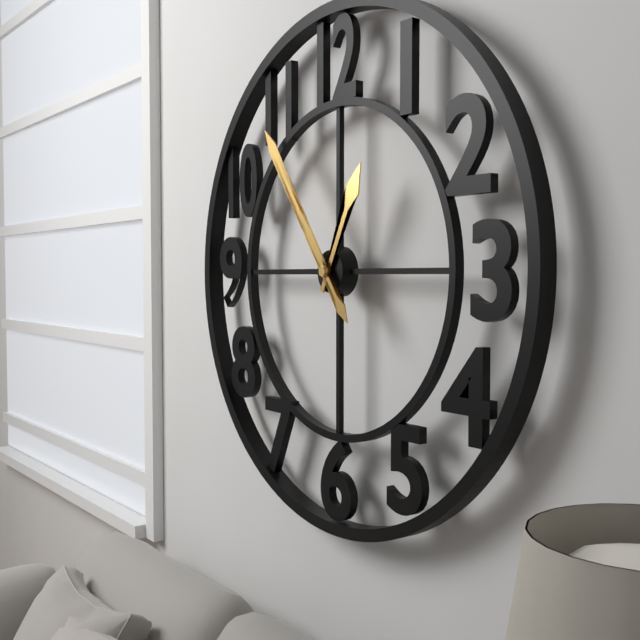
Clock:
12:54
